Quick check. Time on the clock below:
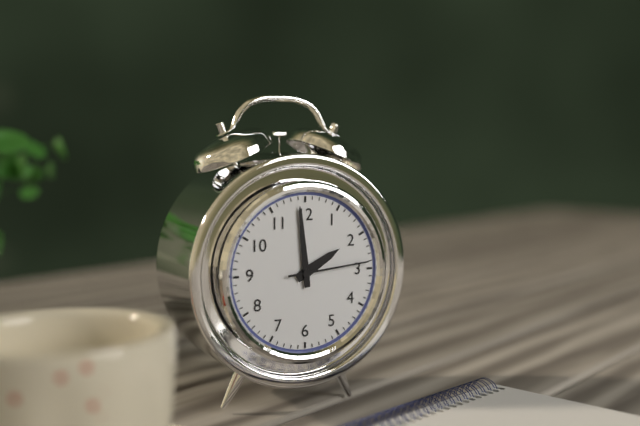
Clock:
1:59:14
